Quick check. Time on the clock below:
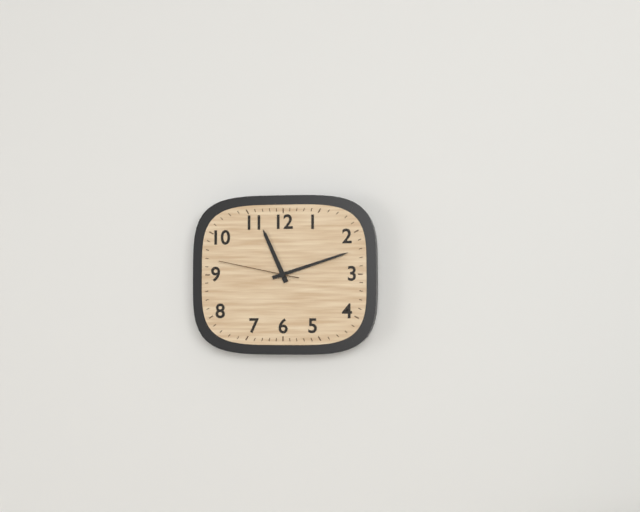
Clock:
11:12:47
